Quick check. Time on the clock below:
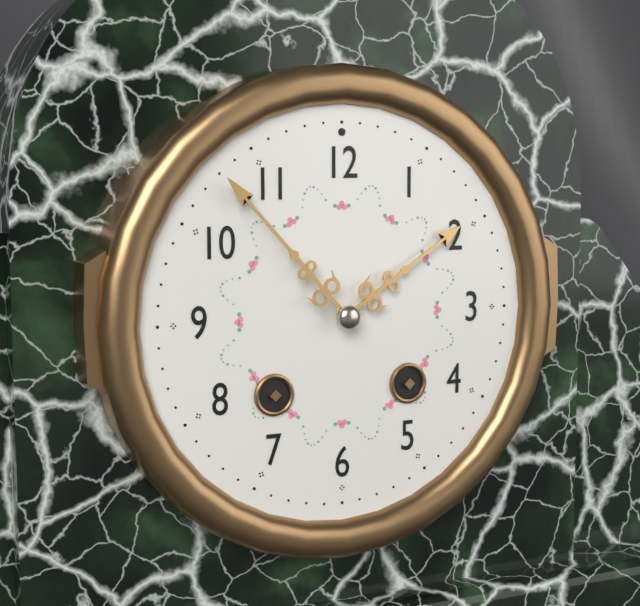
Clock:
1:53
